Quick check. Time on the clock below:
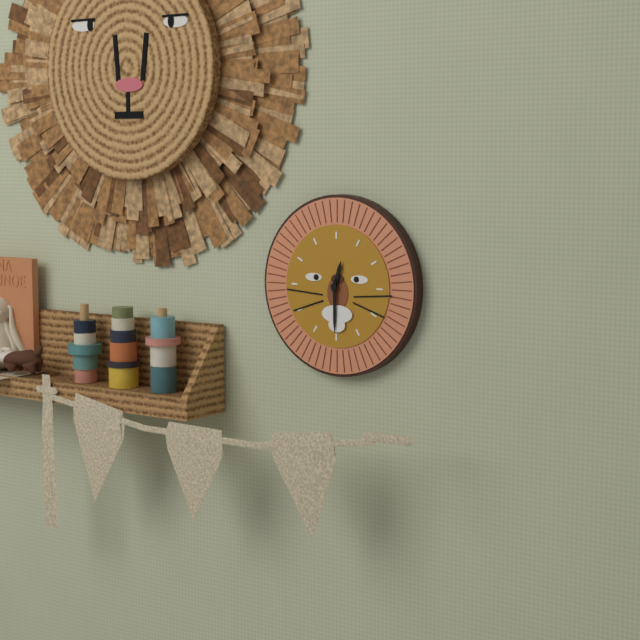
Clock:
12:30
